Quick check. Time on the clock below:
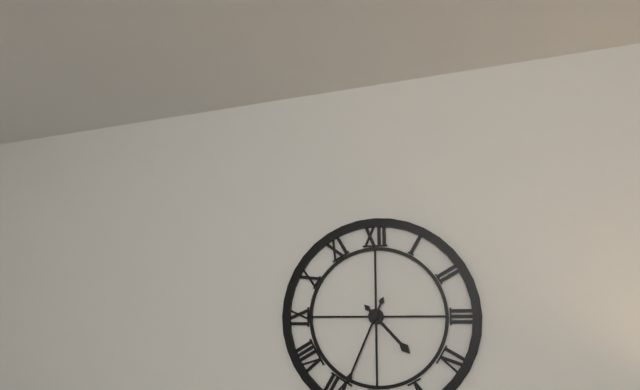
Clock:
4:34
